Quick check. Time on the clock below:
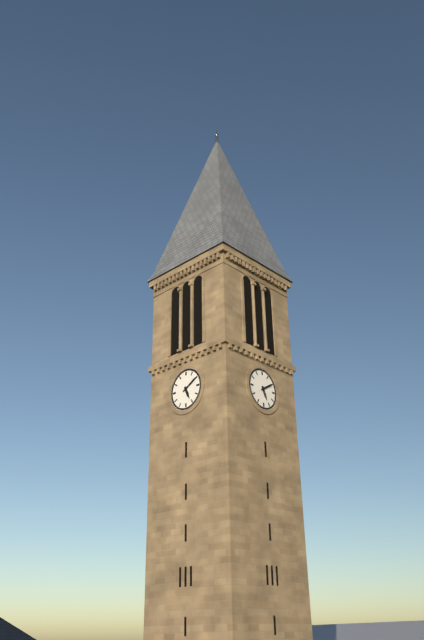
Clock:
5:10
